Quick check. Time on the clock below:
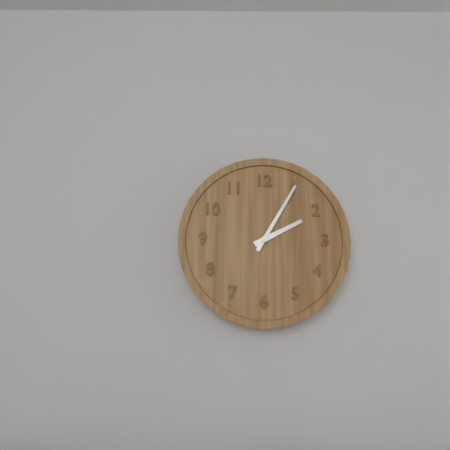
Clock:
2:05
